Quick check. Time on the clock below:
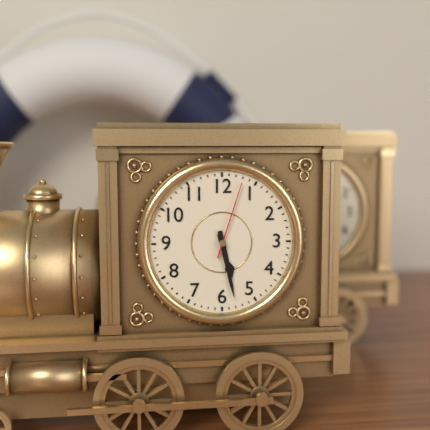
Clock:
5:28:03
